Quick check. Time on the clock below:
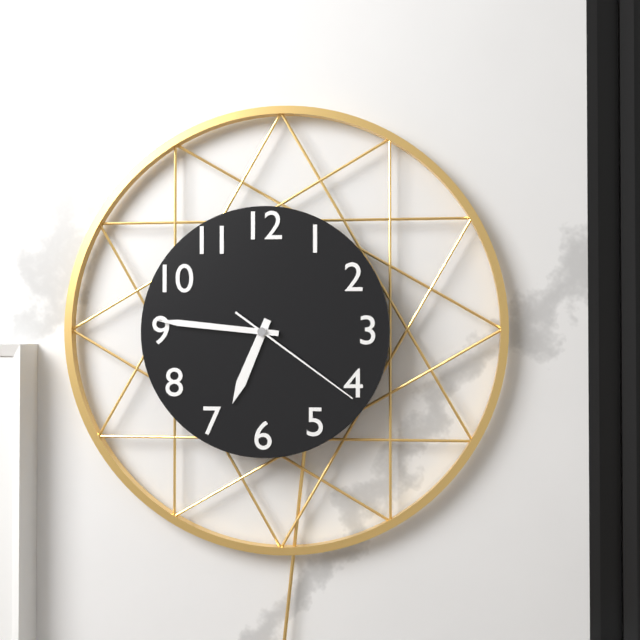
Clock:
6:46:21
